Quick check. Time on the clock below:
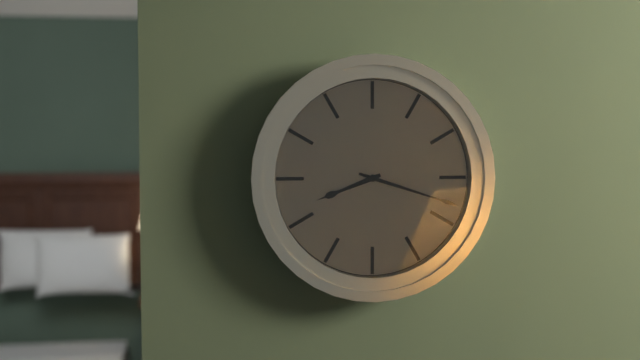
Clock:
8:18
